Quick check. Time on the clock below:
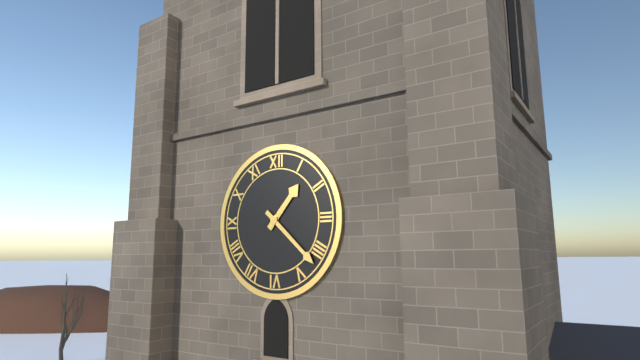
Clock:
1:22
